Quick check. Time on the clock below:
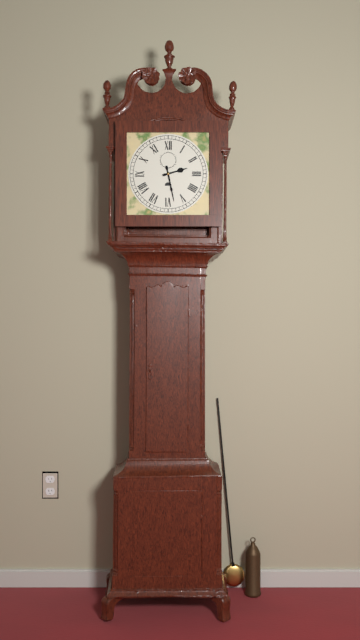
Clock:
2:28
